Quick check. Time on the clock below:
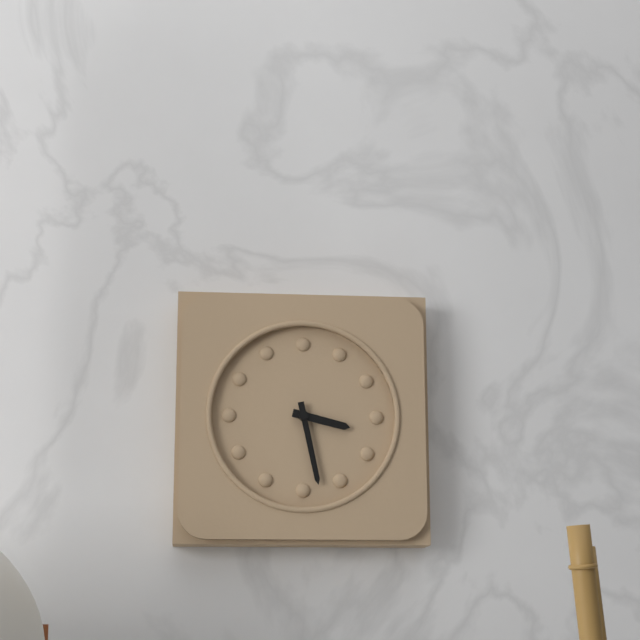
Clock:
3:28
